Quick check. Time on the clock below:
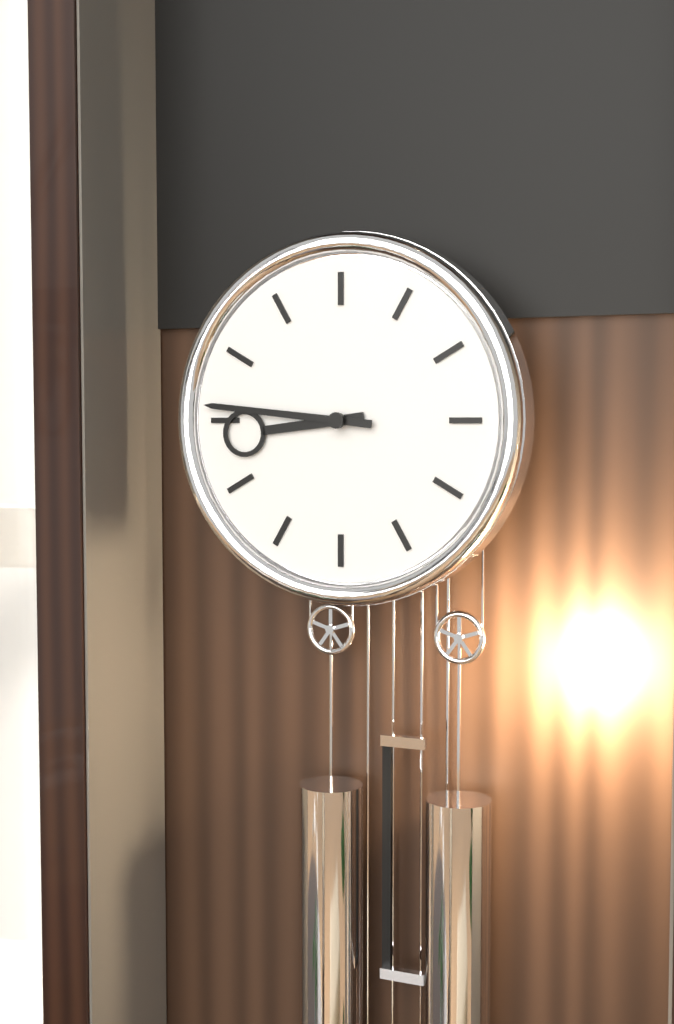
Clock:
8:46
